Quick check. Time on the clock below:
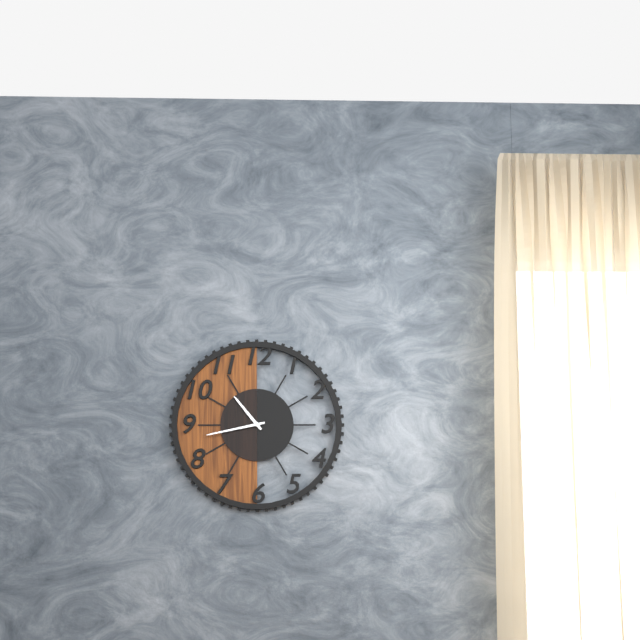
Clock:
10:43
